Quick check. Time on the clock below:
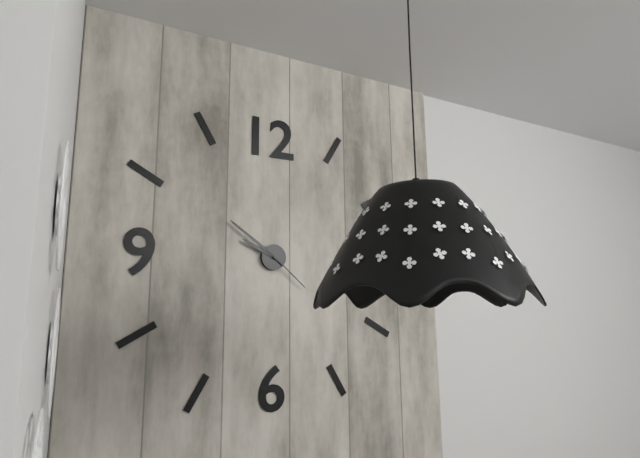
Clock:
9:51:22
